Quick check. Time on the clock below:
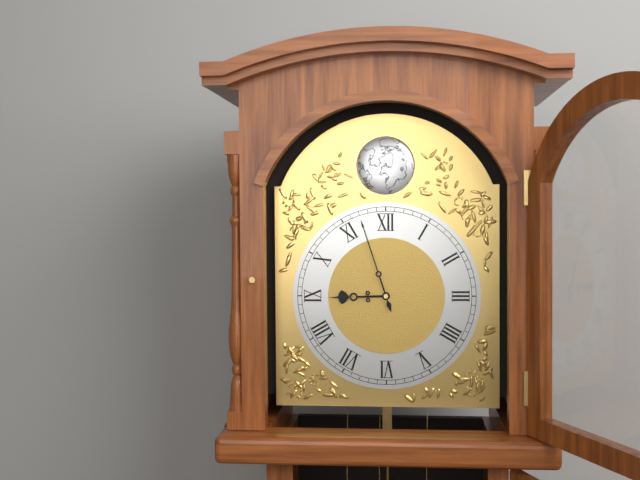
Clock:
8:57
